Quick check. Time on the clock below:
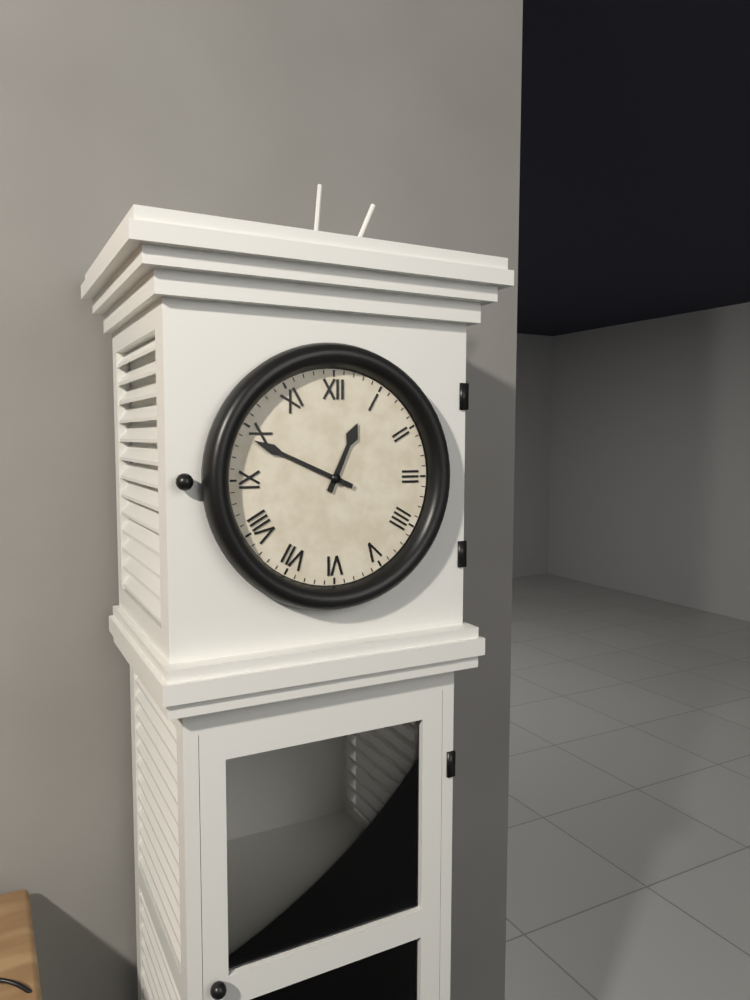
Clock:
12:49
